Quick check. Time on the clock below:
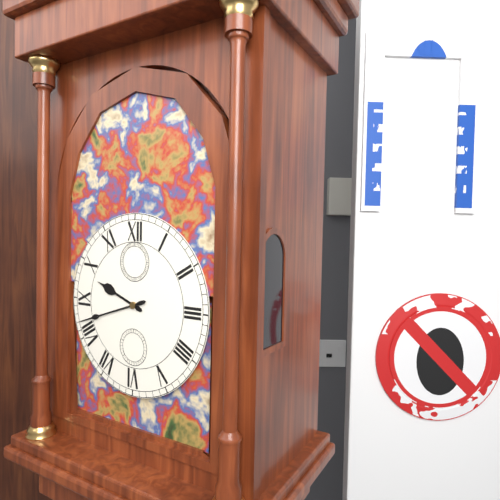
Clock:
9:42
